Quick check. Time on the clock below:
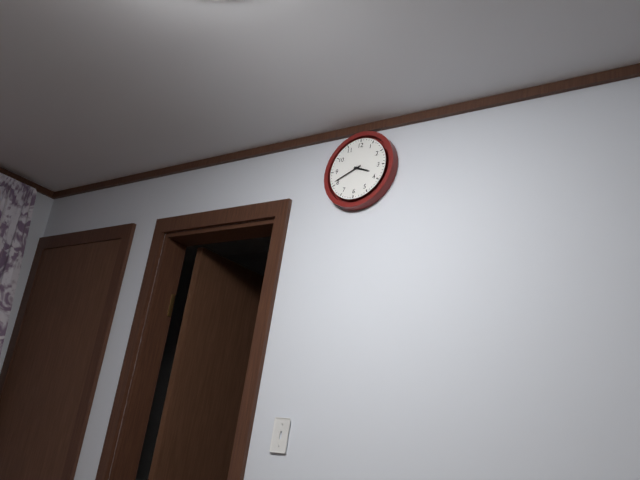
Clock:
3:41
